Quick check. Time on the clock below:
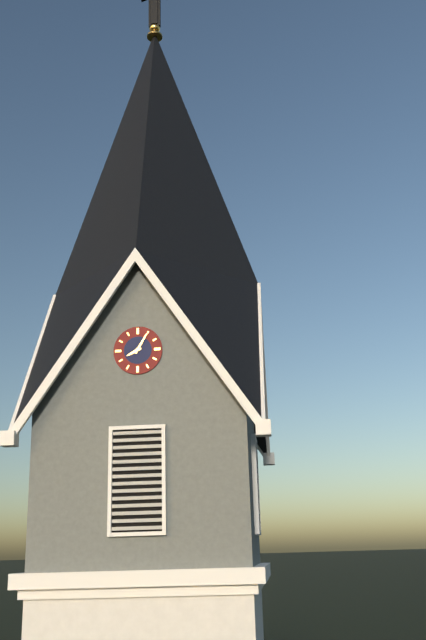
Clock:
8:05
